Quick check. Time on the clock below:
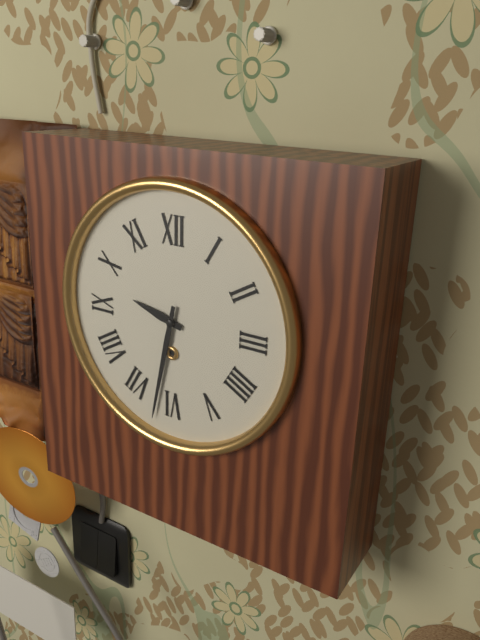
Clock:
9:32
